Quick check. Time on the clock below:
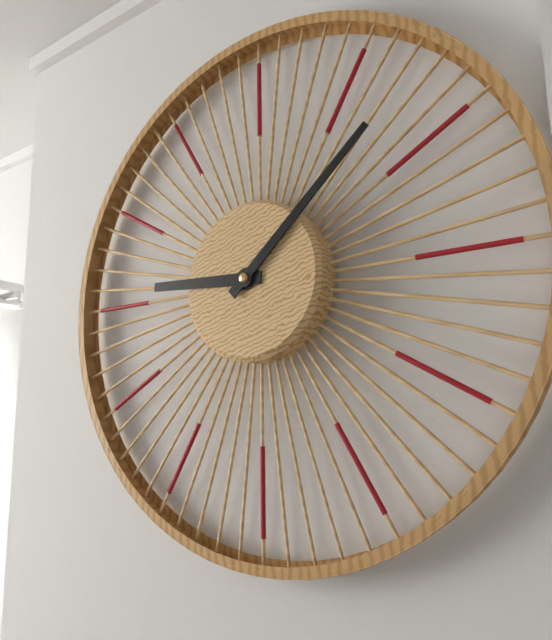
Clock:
9:08
